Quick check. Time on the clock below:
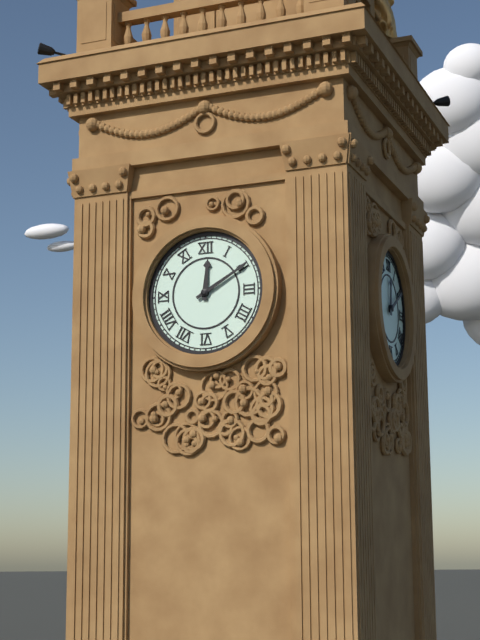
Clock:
12:10
